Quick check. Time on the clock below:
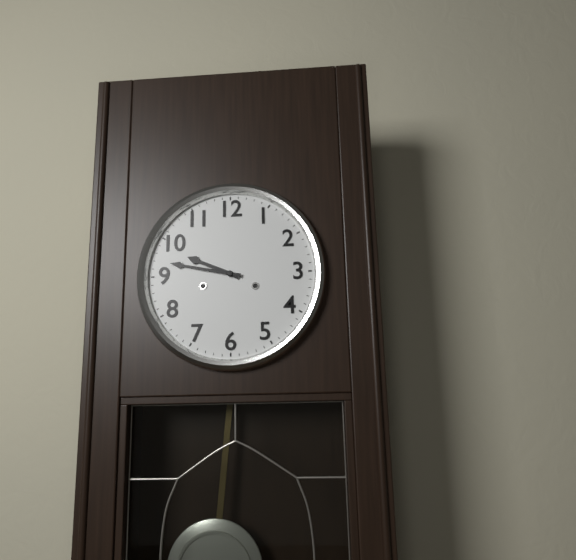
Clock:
9:47
